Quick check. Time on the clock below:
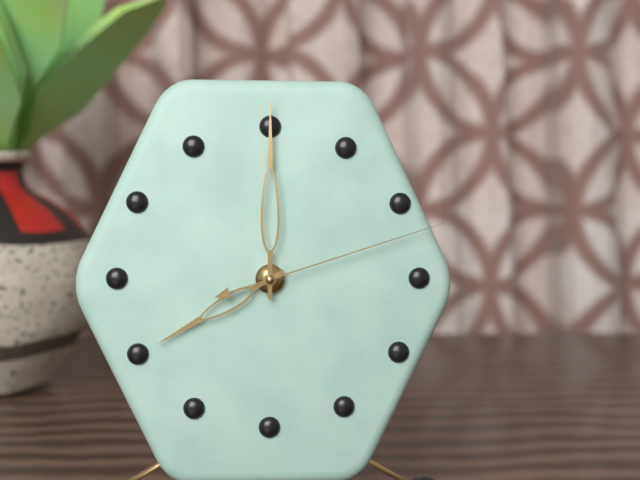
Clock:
8:00:12
